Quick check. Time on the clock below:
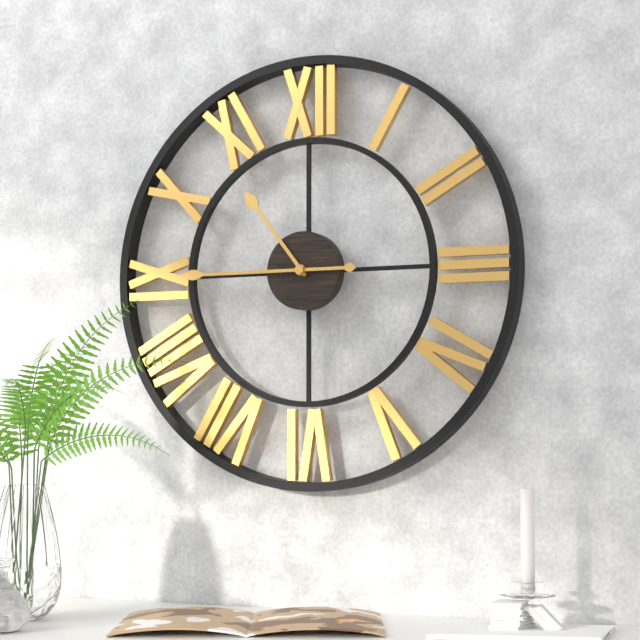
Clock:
10:45
